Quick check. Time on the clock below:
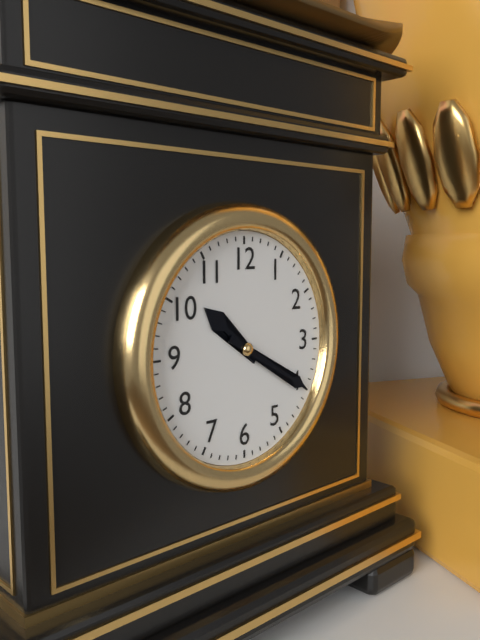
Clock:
10:20
